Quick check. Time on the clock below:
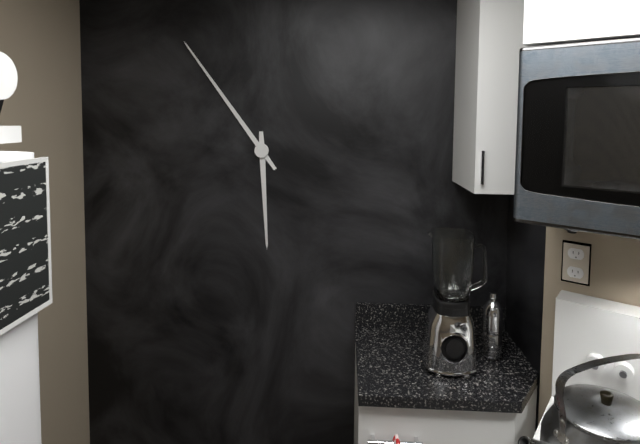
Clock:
5:54
